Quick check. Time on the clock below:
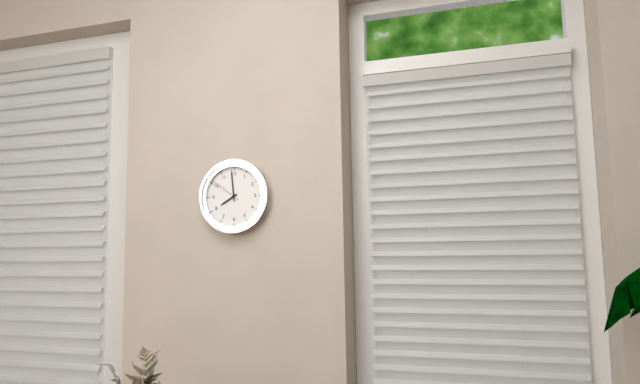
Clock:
7:59
